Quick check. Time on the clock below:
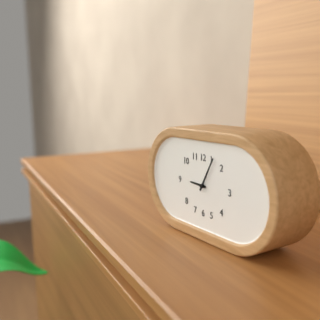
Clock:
9:05
